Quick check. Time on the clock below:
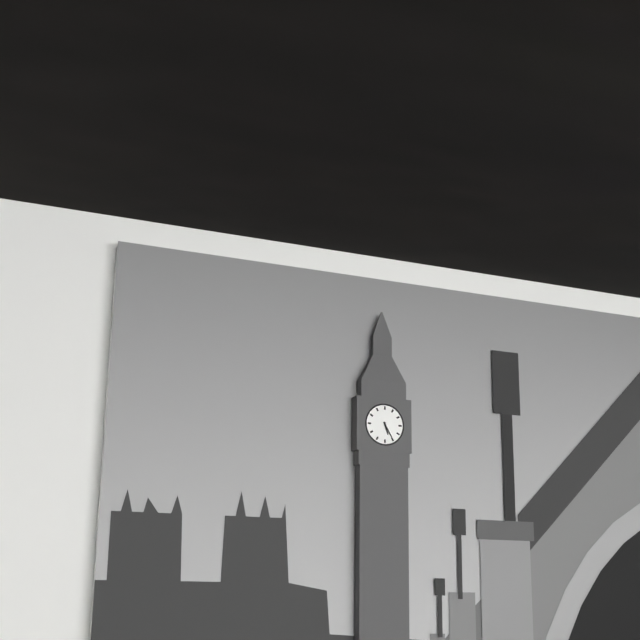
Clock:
5:25
